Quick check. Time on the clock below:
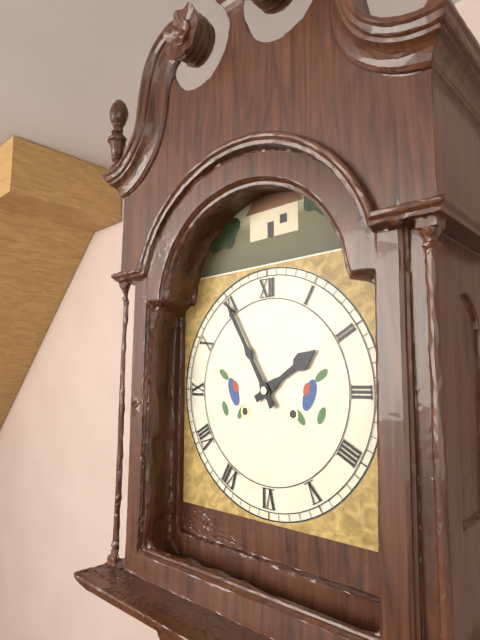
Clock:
1:55
